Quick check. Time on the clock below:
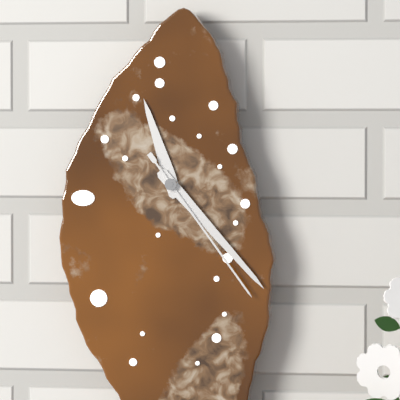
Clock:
11:23:24
